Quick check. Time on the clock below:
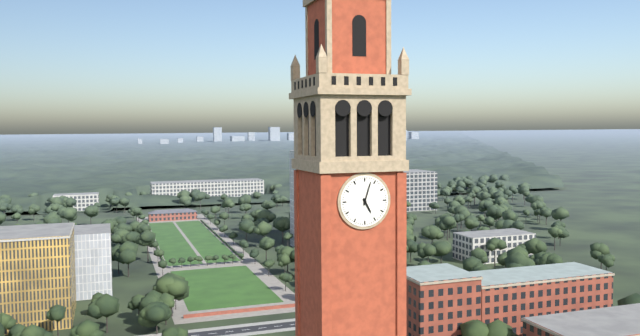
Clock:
5:03
